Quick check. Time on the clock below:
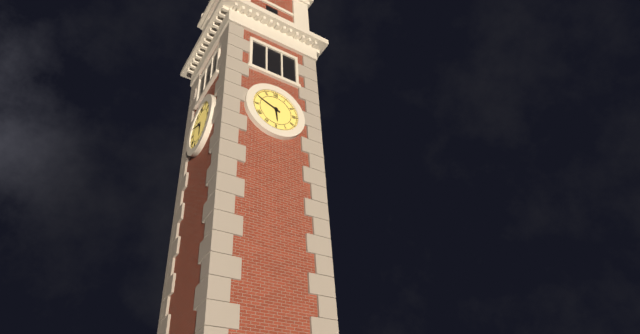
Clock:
5:49
